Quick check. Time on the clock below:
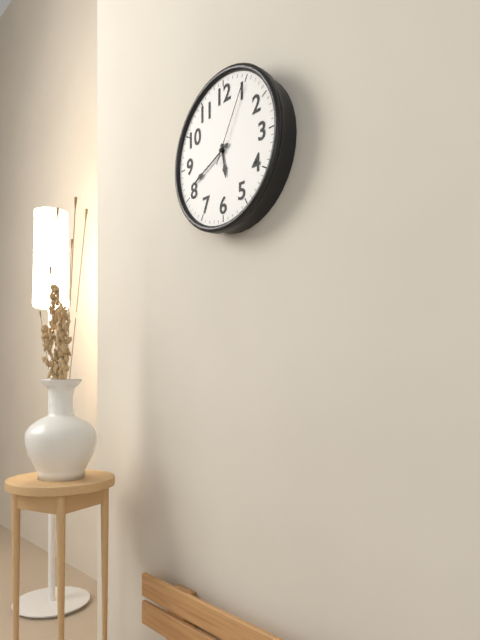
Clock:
5:41:05
